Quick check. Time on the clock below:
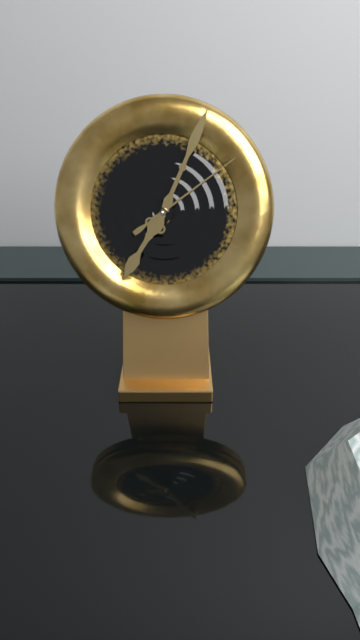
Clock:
7:04:09
